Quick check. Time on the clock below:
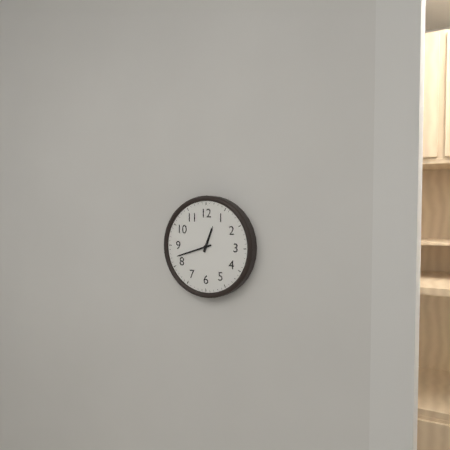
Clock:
12:42
